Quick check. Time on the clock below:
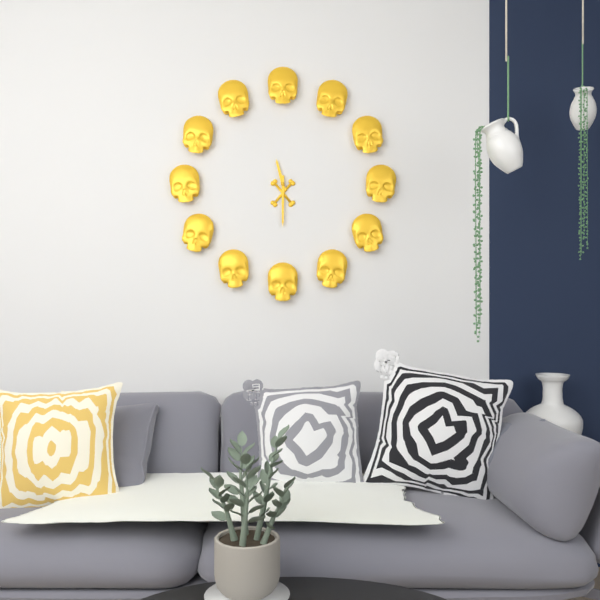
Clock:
11:30
